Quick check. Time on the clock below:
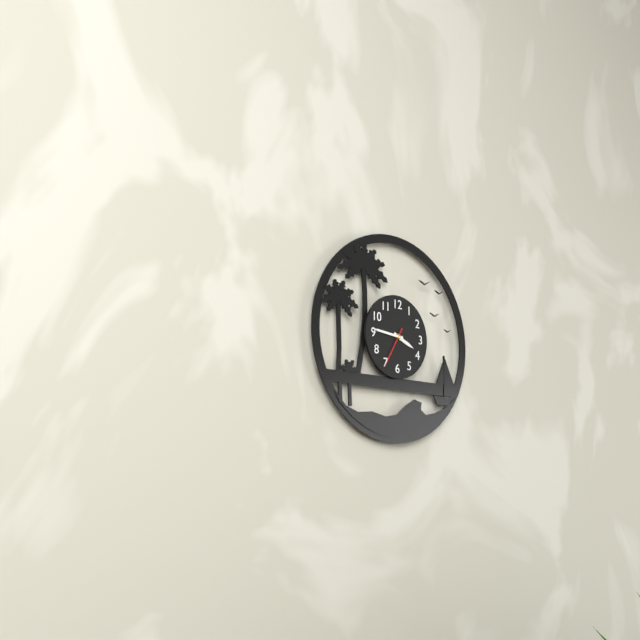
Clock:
3:46
